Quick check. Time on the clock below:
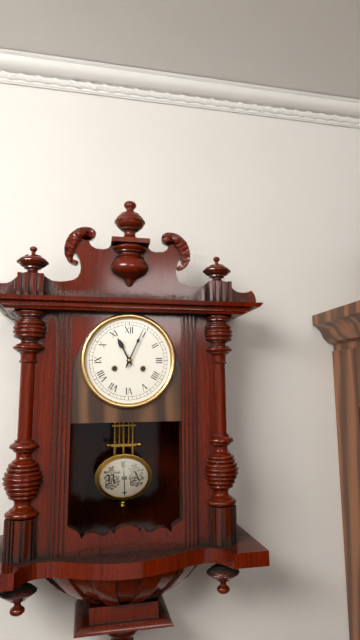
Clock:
11:04
